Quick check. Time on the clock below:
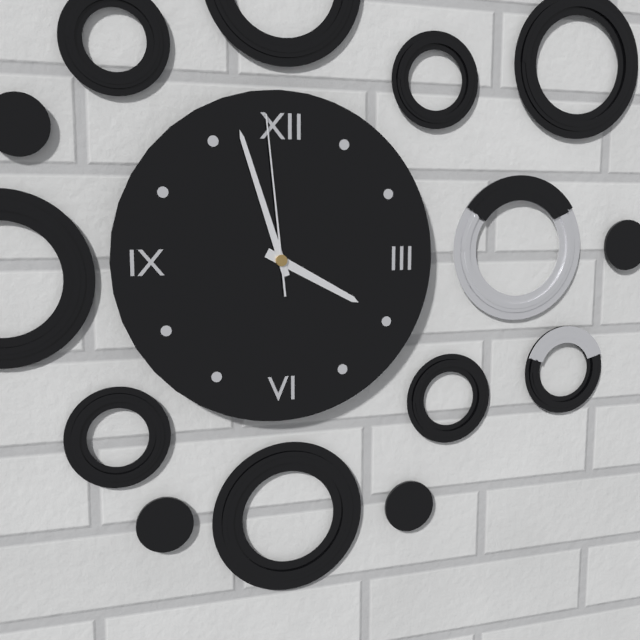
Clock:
3:57:59
